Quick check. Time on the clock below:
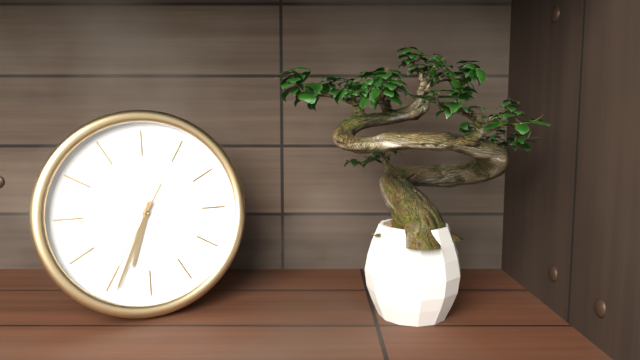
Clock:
6:34:35
